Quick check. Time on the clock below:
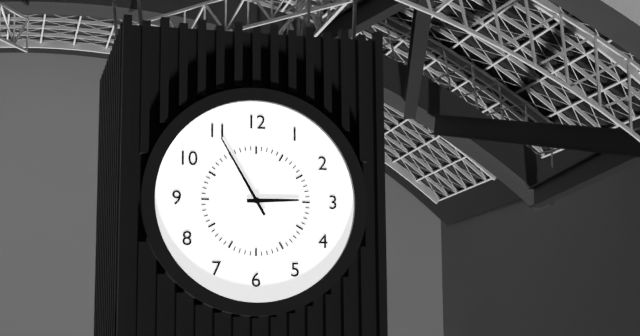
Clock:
2:55
